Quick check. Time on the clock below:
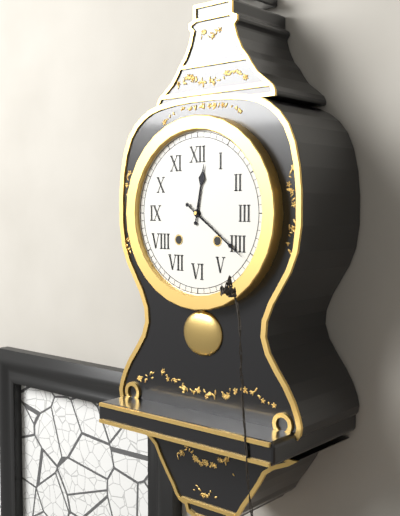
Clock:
12:21
